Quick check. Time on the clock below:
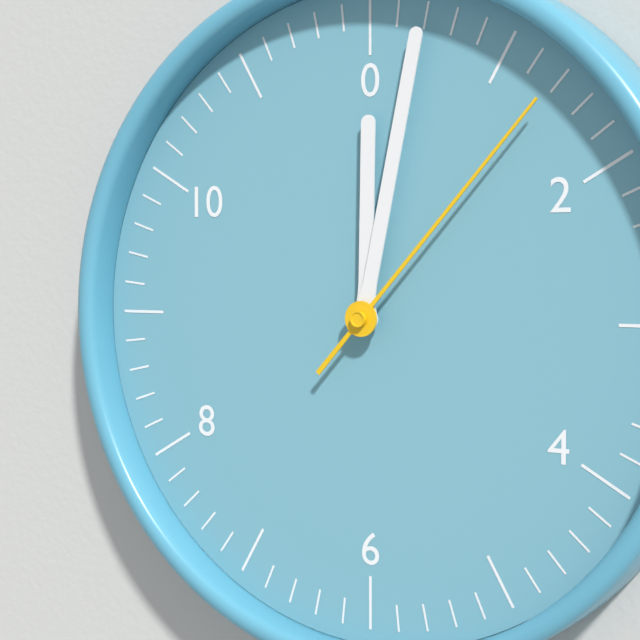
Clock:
12:02:07
